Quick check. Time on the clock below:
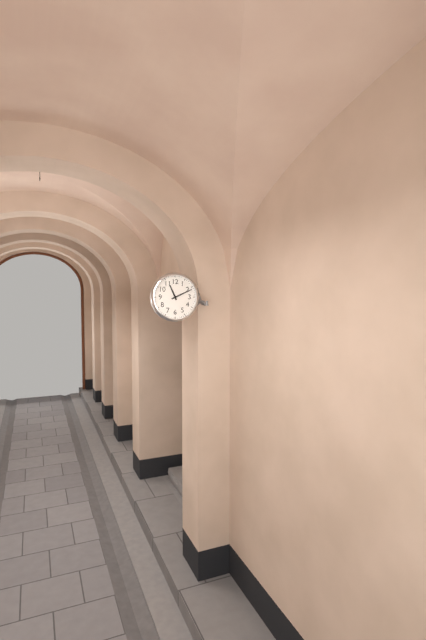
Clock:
11:11
